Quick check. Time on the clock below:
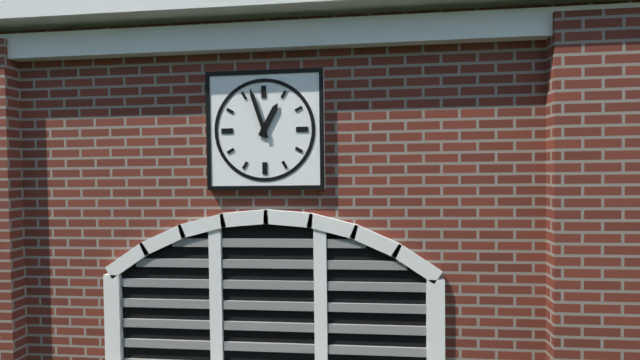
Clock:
12:57
